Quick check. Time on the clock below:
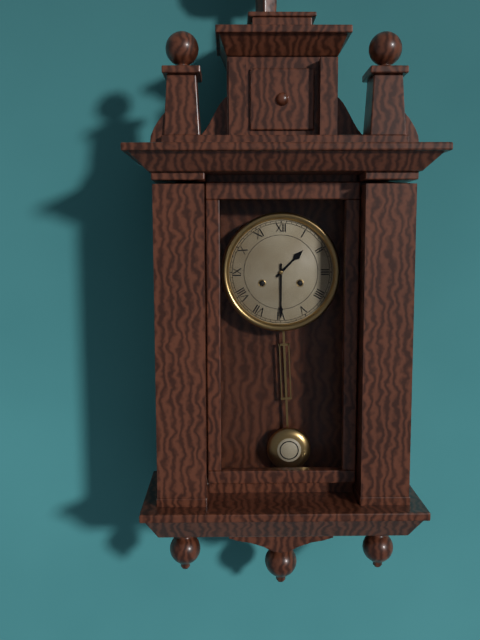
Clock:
1:30
